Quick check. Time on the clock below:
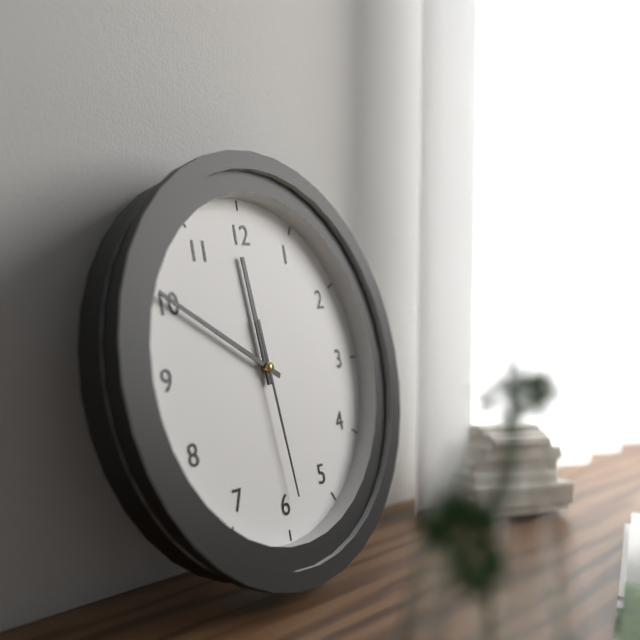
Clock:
11:50:29
